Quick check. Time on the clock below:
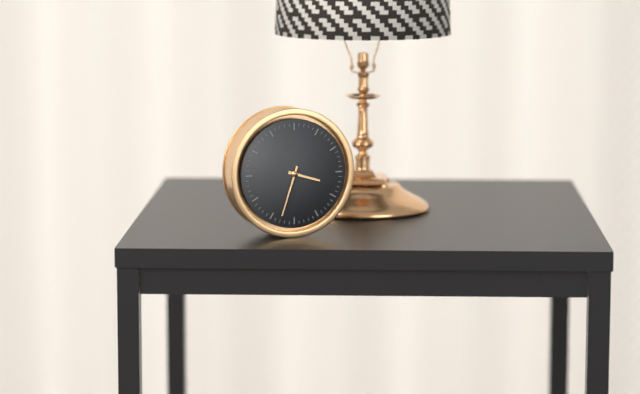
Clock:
3:33
